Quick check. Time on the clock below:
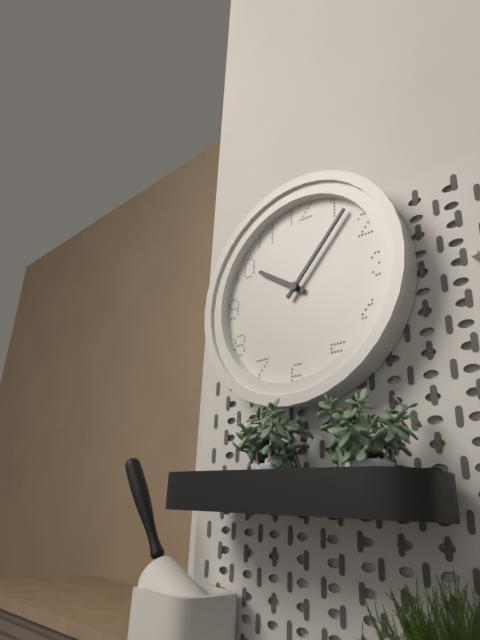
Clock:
10:07
